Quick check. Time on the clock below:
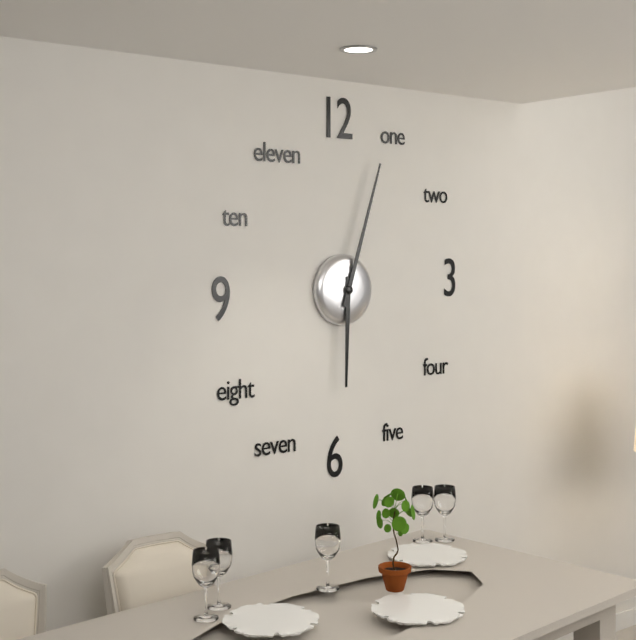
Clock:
6:03
